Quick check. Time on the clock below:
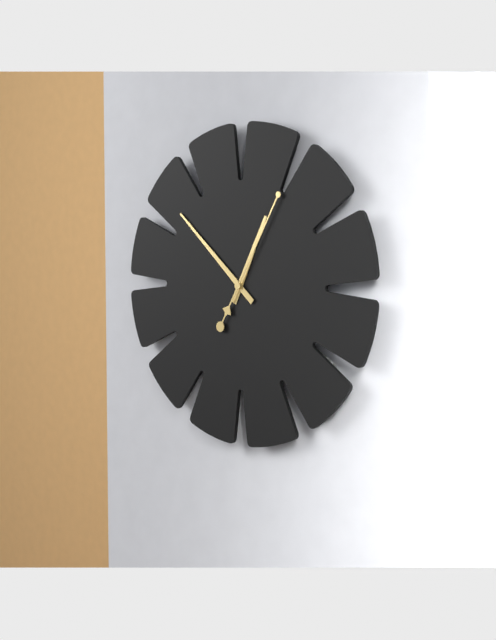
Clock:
12:52:05
